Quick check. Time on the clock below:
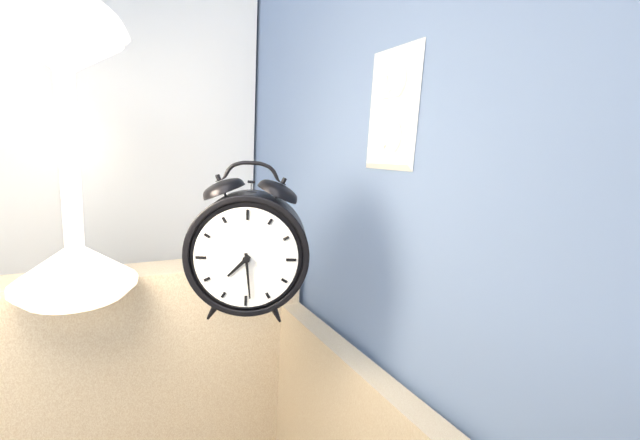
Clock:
7:29
